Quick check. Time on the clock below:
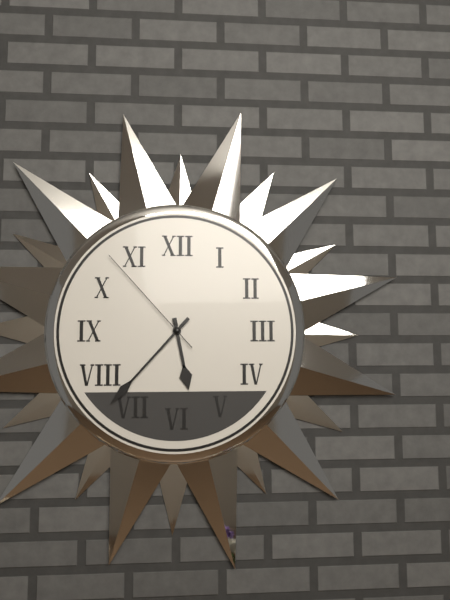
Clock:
5:37:53
